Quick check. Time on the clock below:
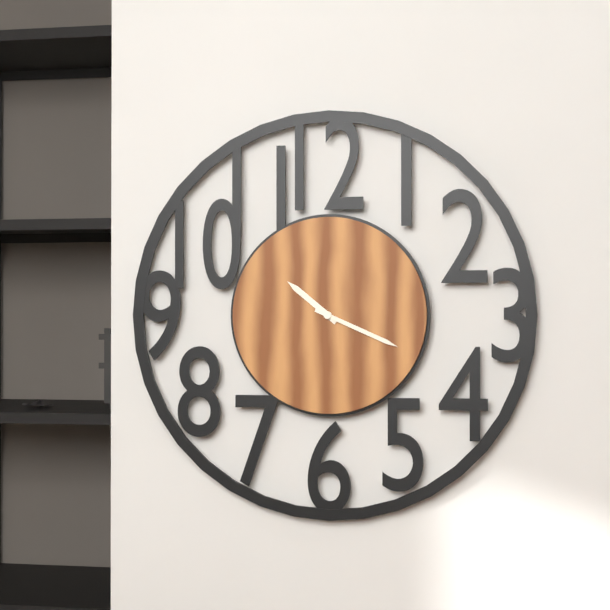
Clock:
10:19
